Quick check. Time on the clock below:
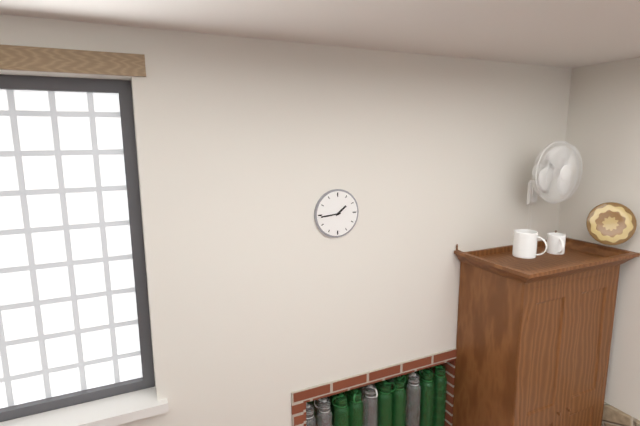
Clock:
1:44
